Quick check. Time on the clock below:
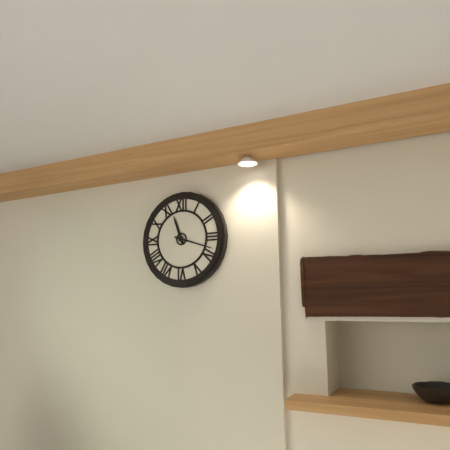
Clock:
11:18
